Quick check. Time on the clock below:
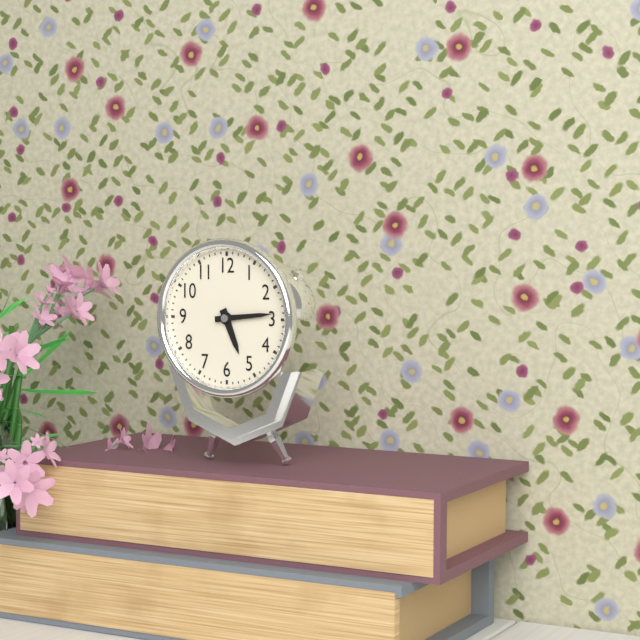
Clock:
5:14
